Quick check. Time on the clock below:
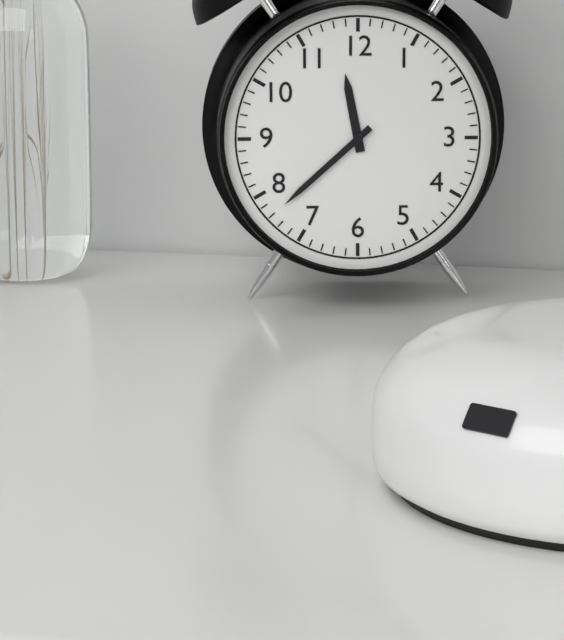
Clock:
11:38
